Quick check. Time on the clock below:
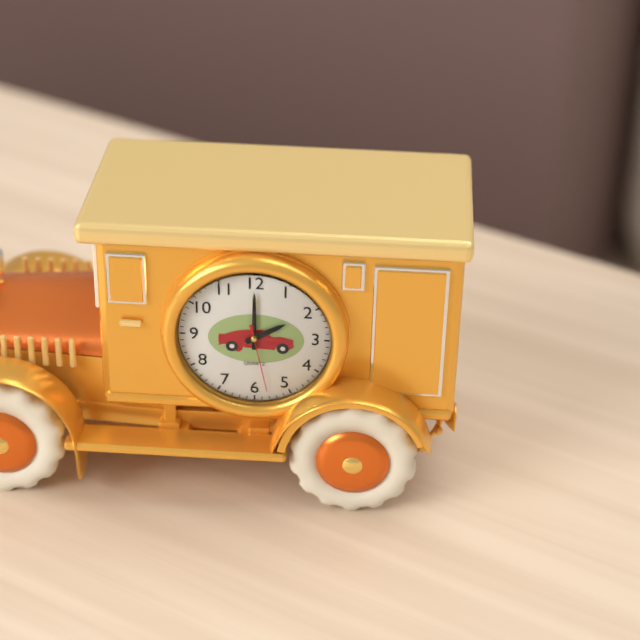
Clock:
2:00:28
